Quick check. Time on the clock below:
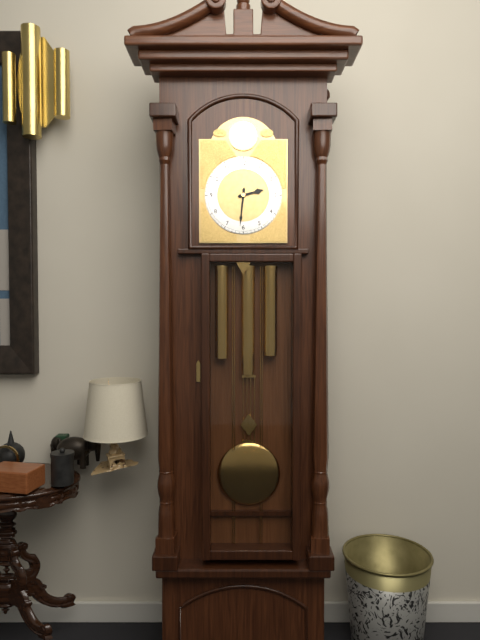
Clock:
2:31
